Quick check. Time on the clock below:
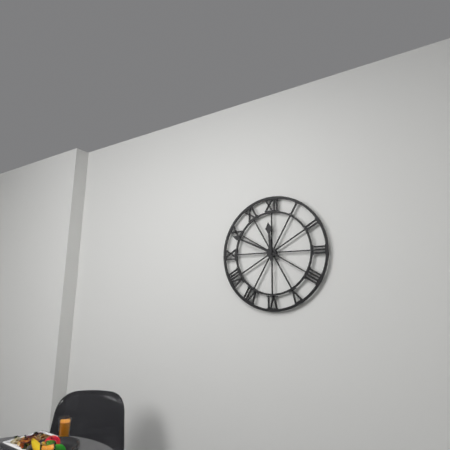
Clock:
11:49
